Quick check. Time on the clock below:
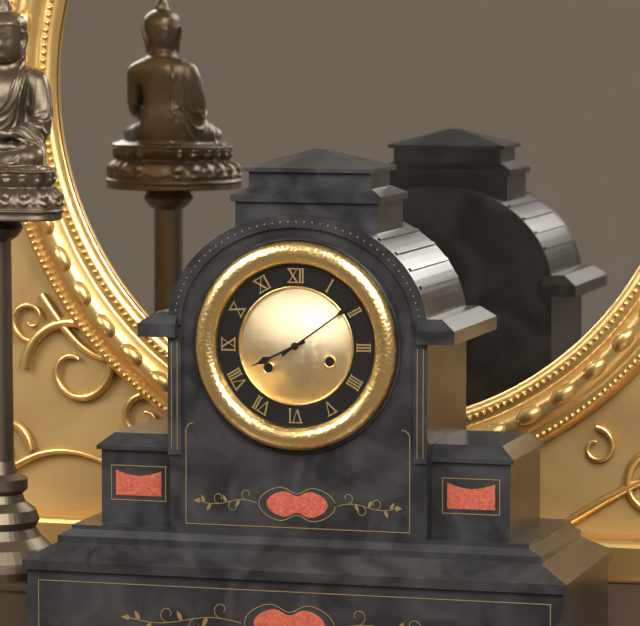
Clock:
8:09
